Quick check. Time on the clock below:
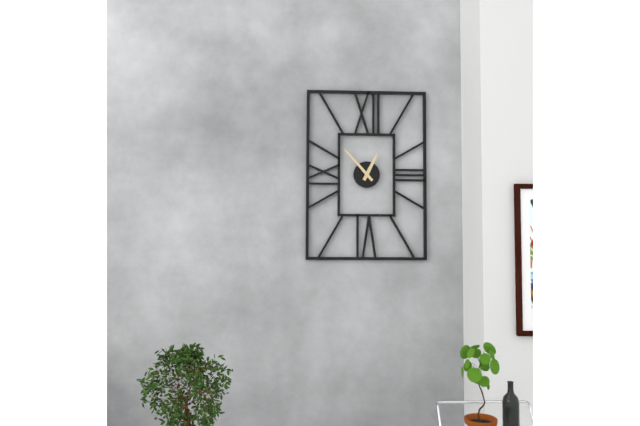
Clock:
12:53
